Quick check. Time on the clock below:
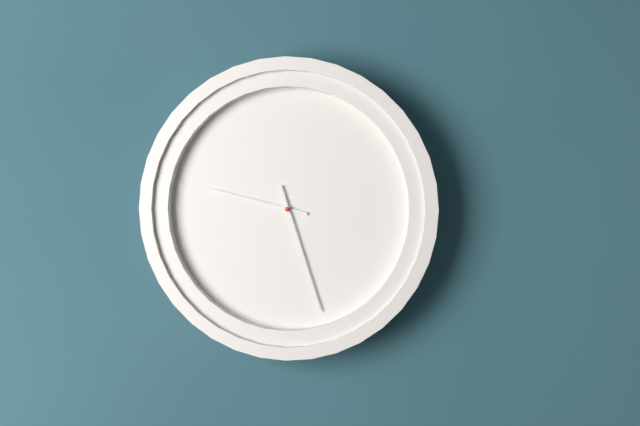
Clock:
9:27
